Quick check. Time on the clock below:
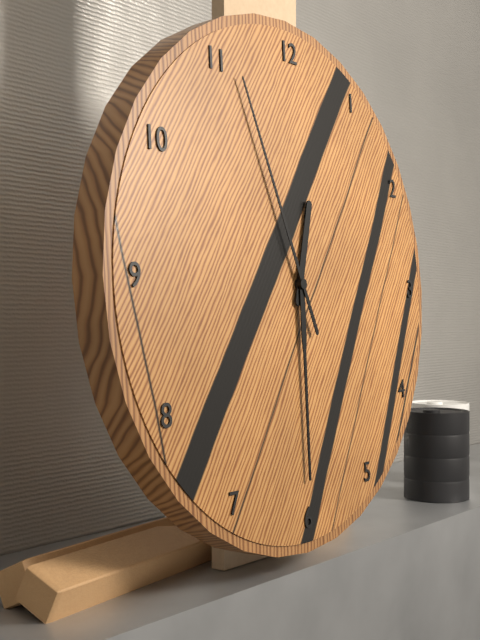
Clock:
12:30:56
